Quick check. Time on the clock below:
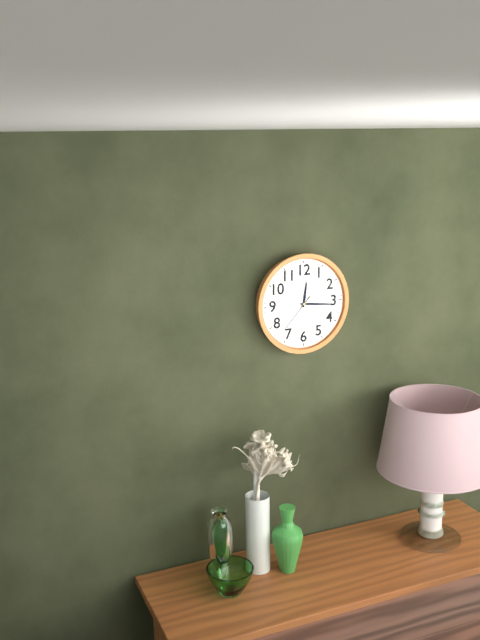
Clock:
12:16
